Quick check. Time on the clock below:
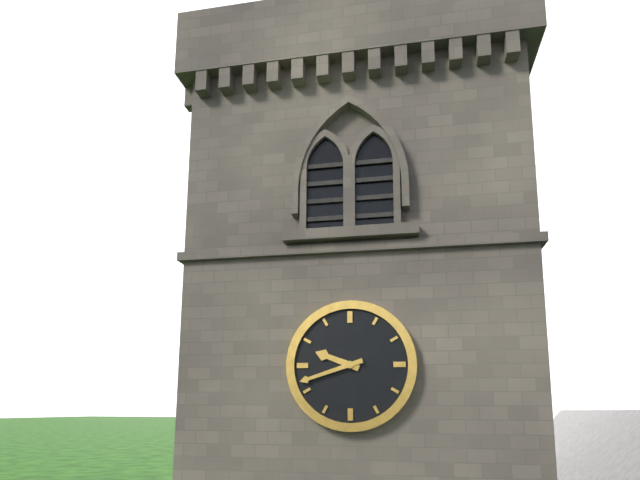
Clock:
9:42
